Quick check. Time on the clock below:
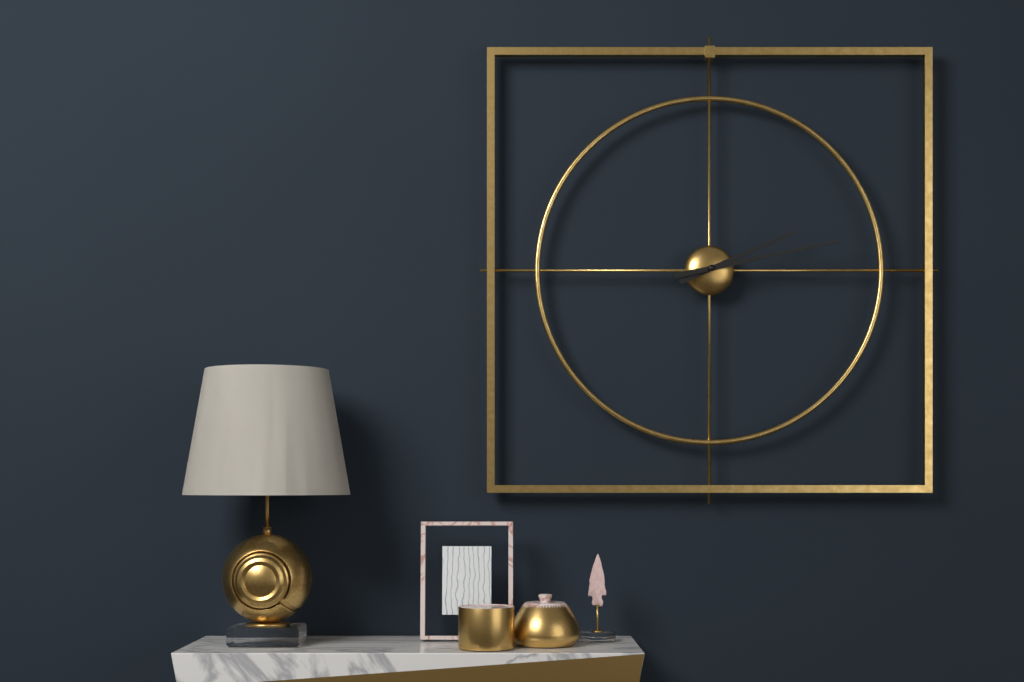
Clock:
2:13
